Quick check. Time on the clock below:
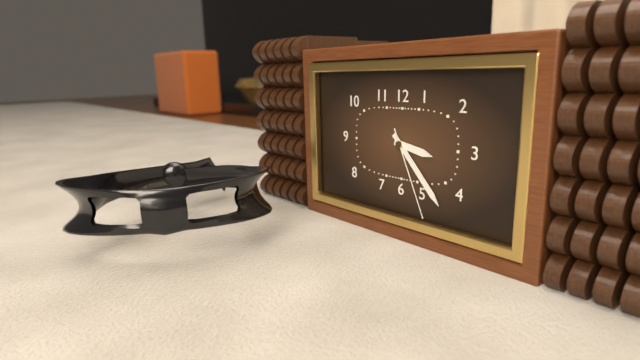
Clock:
3:23:26
